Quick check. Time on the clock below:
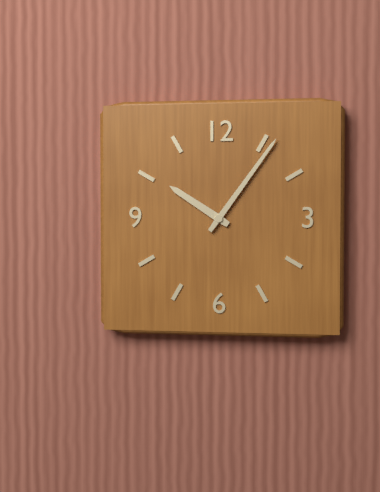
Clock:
10:06
